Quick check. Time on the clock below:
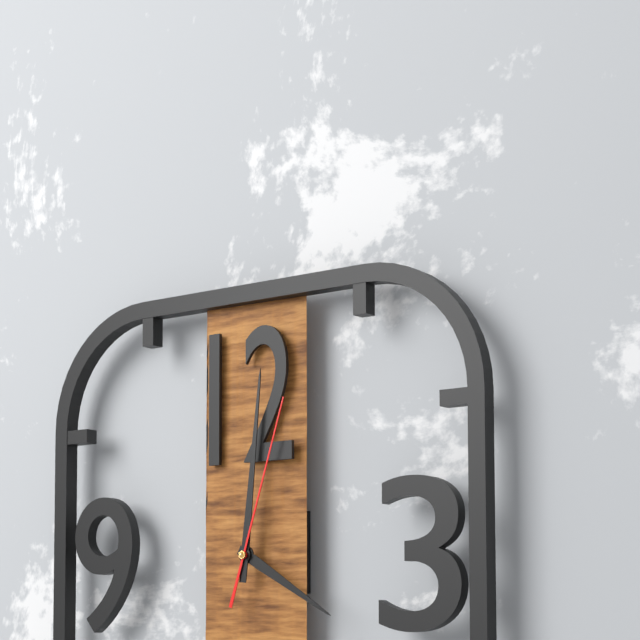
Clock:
4:01:03
